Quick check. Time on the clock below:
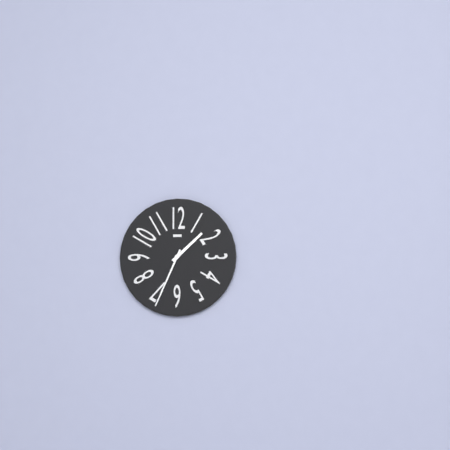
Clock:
1:34
